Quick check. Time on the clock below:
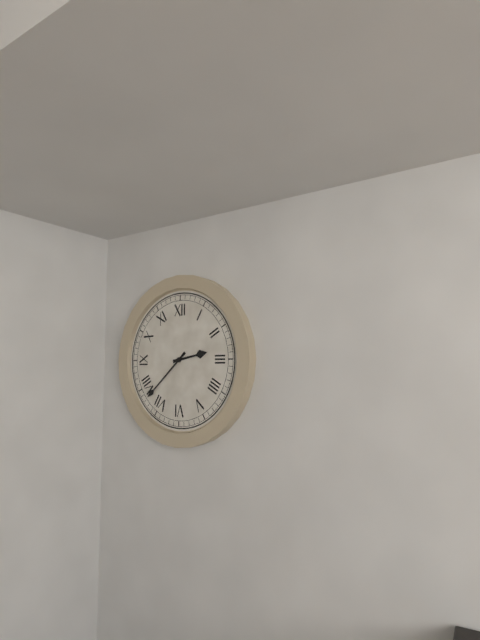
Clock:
2:38
